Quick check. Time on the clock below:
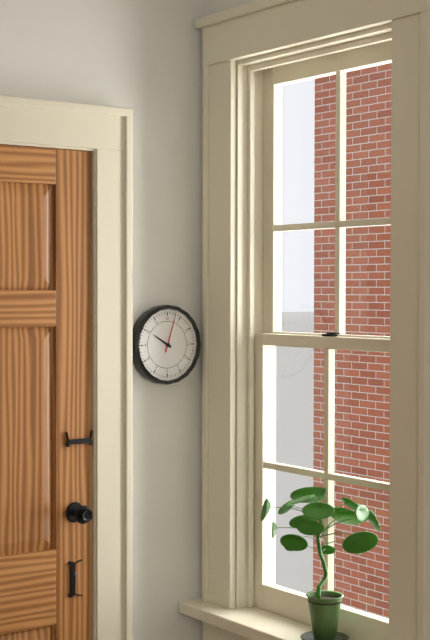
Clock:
10:03
